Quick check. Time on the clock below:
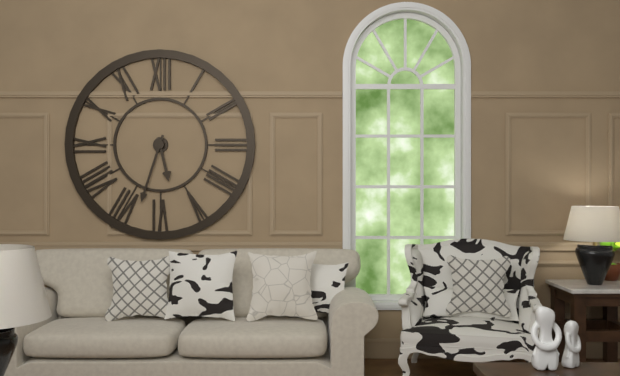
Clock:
5:33
